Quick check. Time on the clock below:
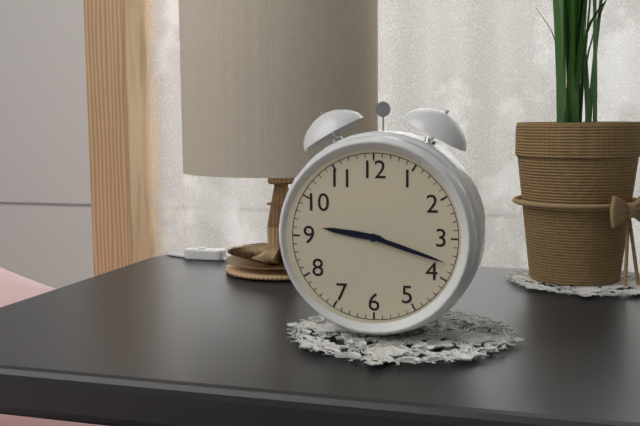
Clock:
9:18
